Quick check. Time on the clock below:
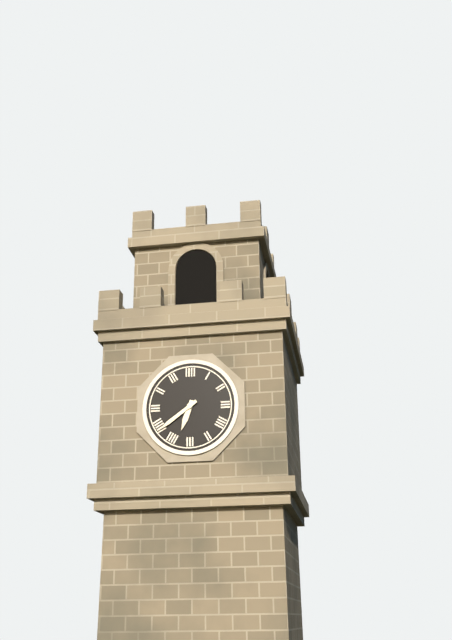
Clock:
6:39
